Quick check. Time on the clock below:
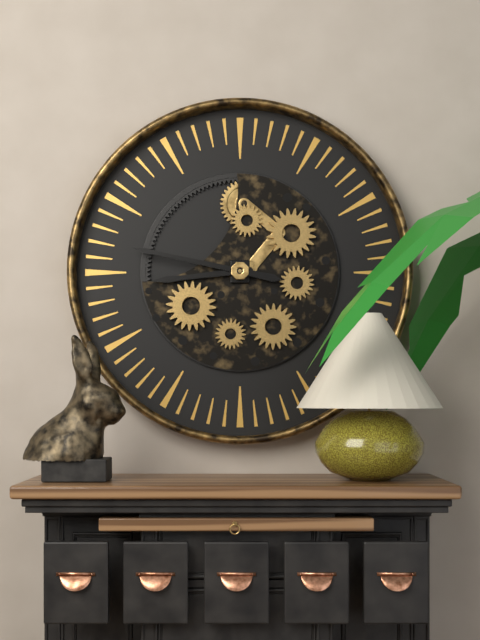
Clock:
8:47
